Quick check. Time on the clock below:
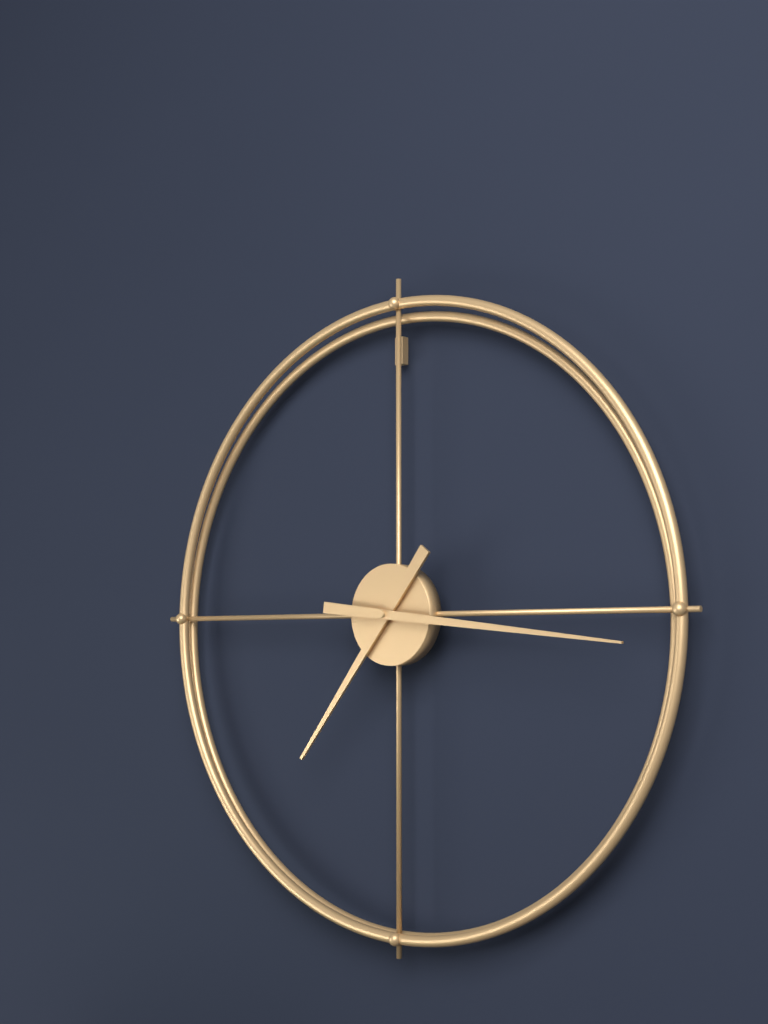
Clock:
7:16
